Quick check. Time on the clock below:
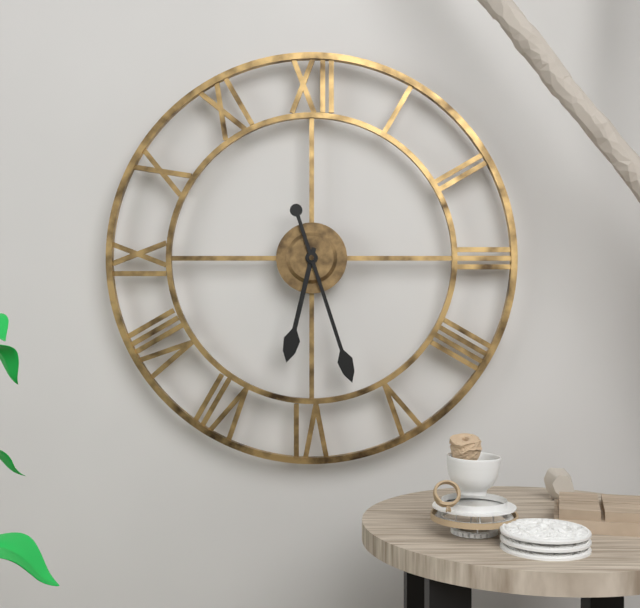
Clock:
6:27
